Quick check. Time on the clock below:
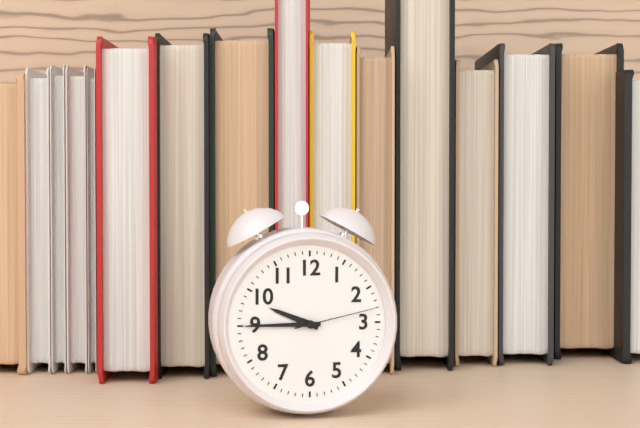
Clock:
9:45:13
